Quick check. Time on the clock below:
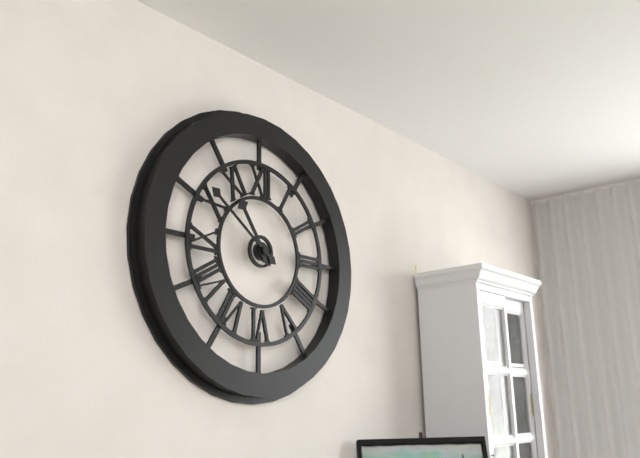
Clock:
10:51
